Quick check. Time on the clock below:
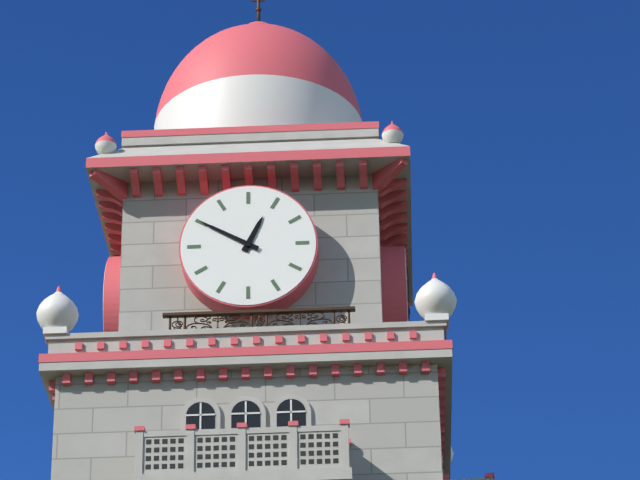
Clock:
12:50
